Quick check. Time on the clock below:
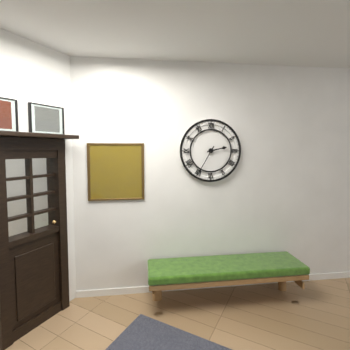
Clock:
2:35
